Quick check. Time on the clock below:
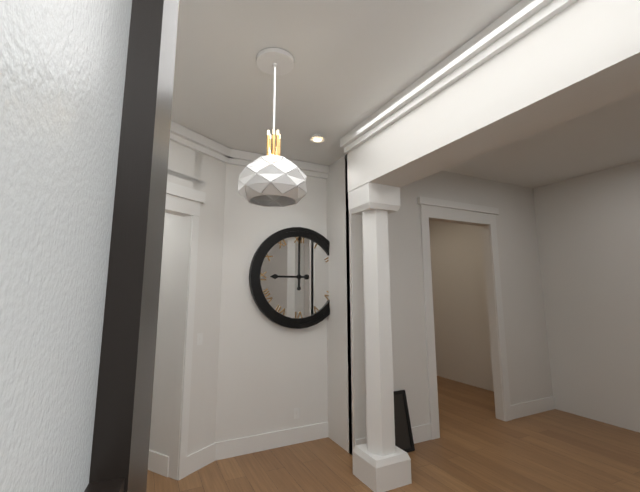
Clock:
9:00
